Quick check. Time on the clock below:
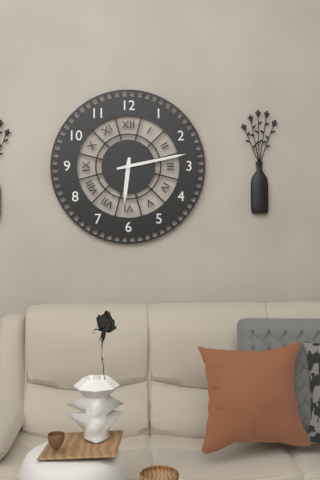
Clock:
6:13
